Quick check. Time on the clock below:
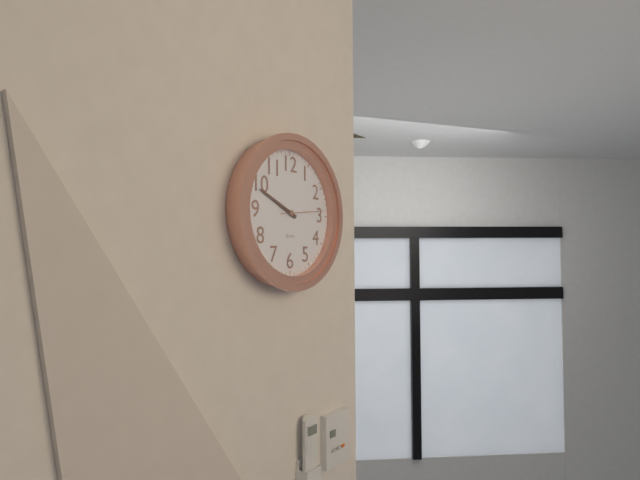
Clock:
9:49
